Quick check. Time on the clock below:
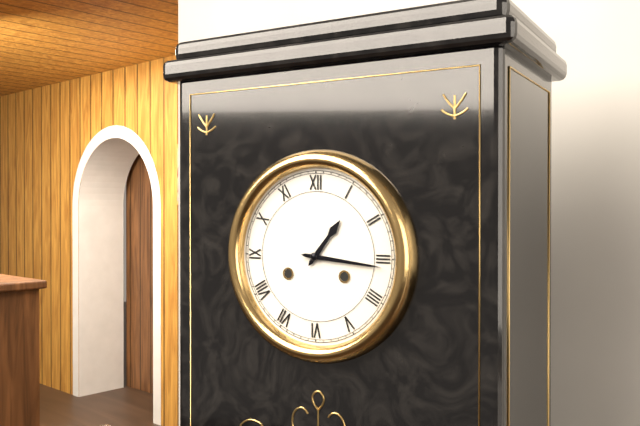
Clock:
1:16
